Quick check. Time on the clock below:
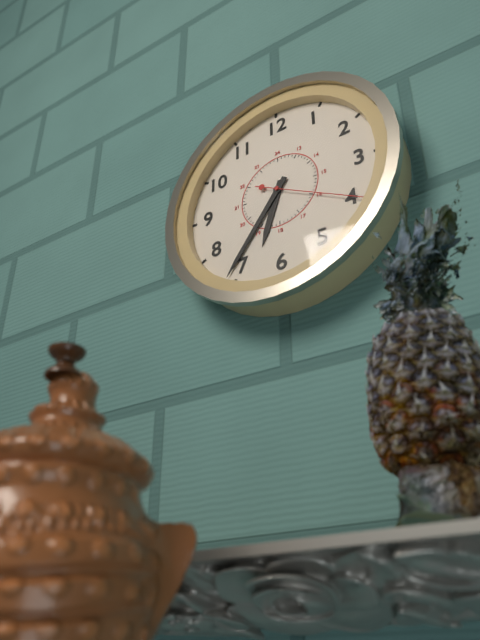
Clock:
6:36:20
